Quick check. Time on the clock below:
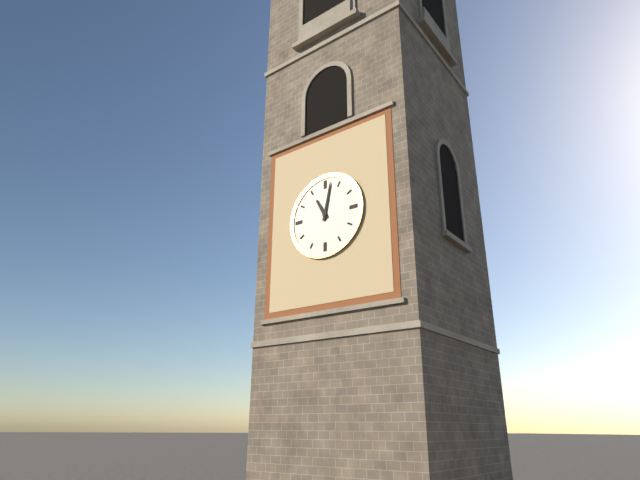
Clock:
11:02
